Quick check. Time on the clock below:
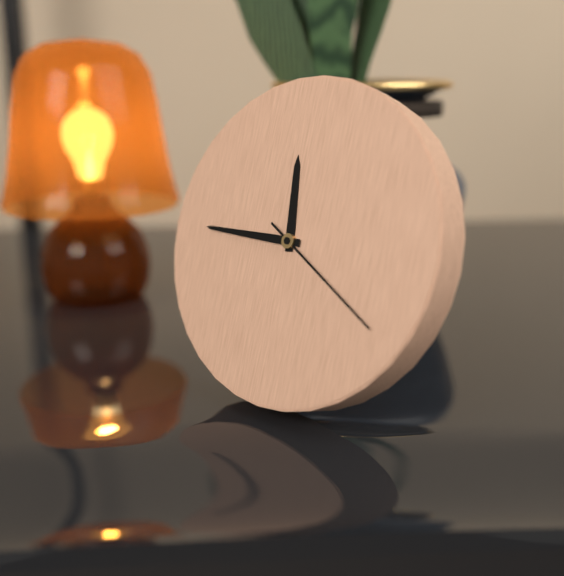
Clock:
11:45:20
